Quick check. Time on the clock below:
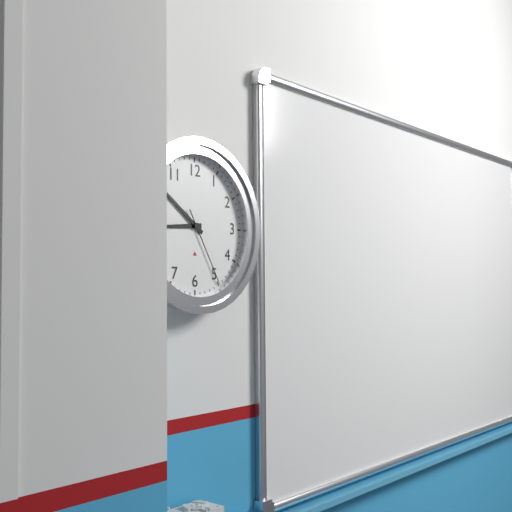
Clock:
8:51:25
